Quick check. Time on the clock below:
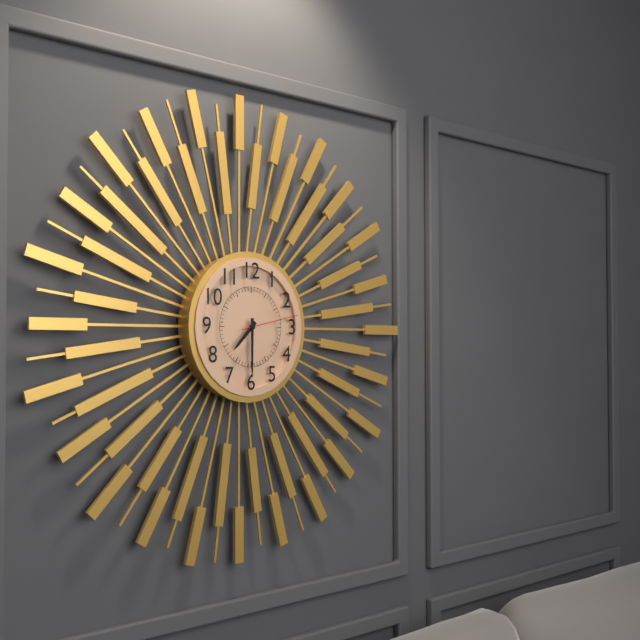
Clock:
7:30:13
